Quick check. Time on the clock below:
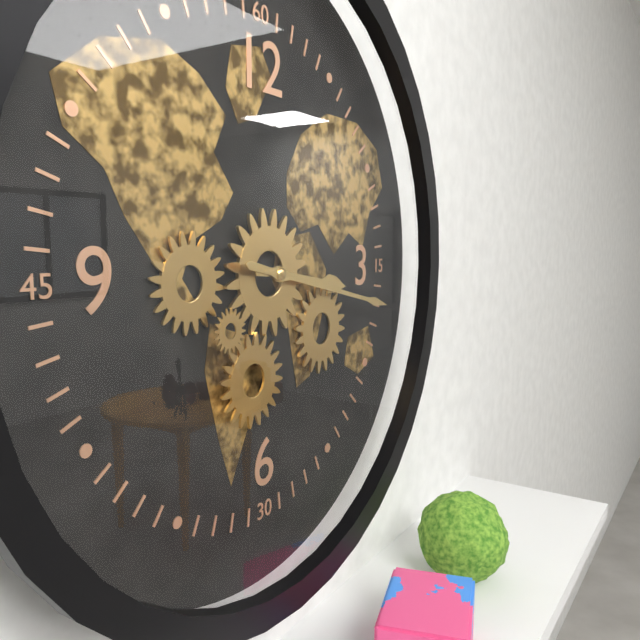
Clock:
3:17
